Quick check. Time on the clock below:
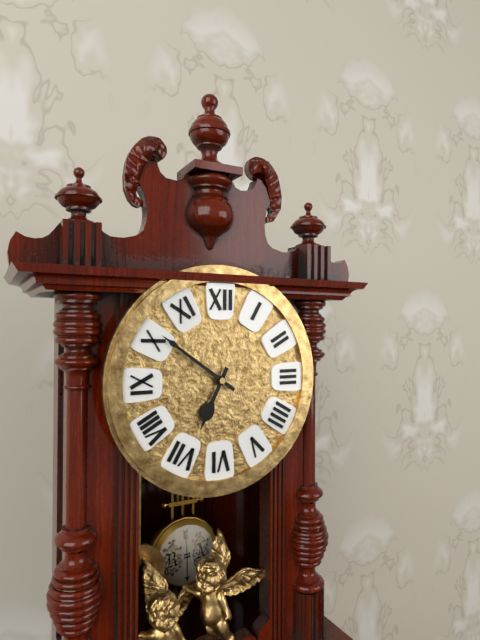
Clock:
6:51
